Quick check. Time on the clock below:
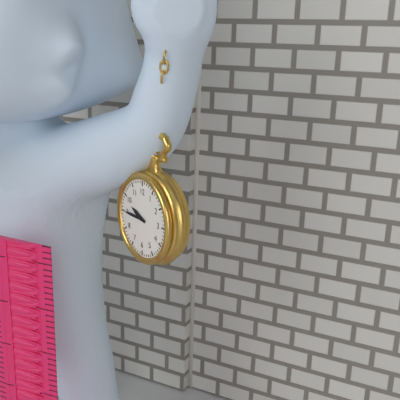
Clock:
9:45
